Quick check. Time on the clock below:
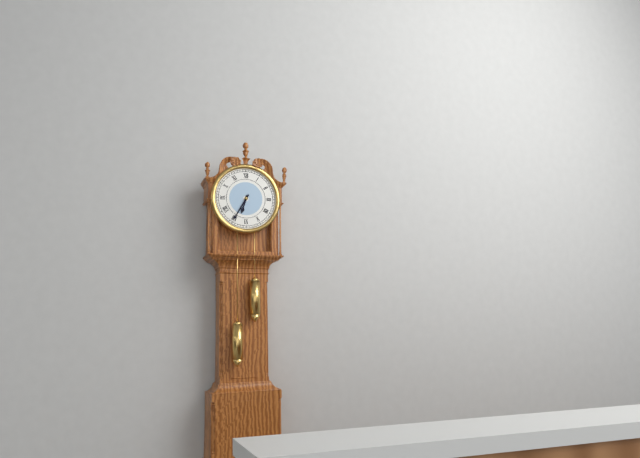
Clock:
6:35
